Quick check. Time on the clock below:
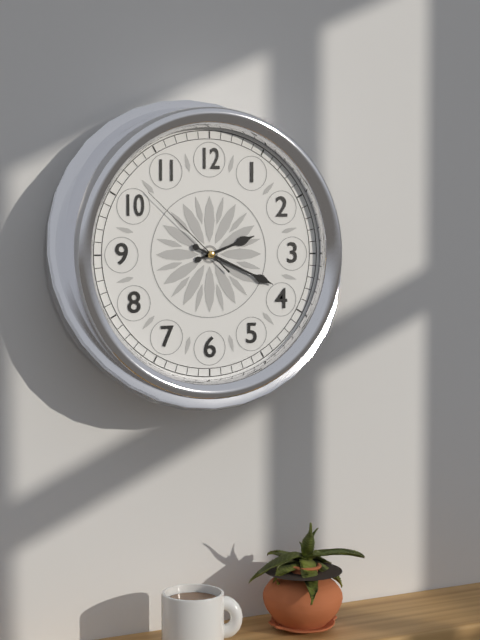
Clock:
2:19:52
